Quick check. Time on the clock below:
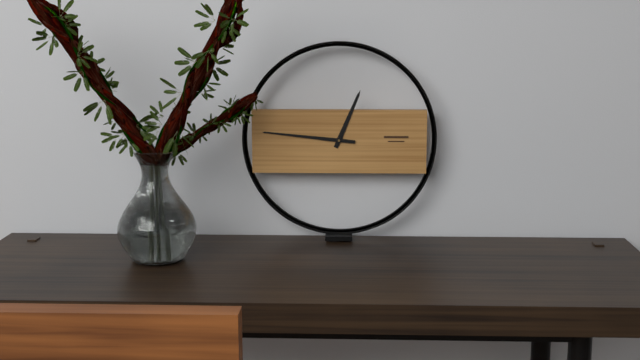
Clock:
12:46
